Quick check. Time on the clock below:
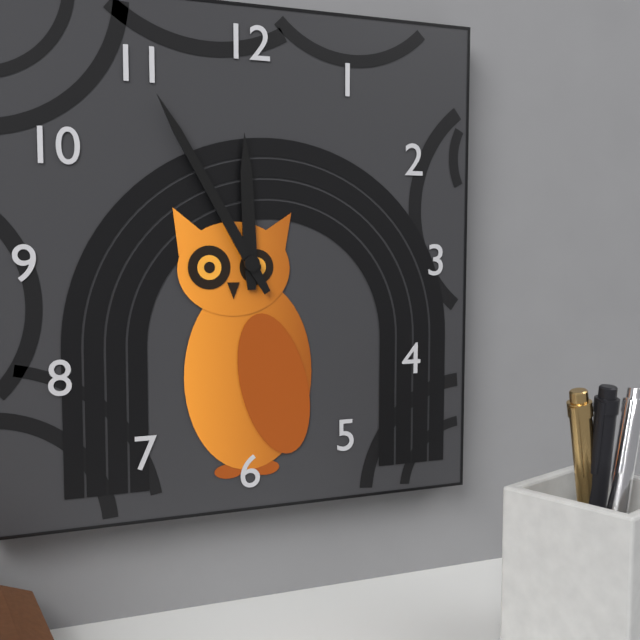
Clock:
11:55
